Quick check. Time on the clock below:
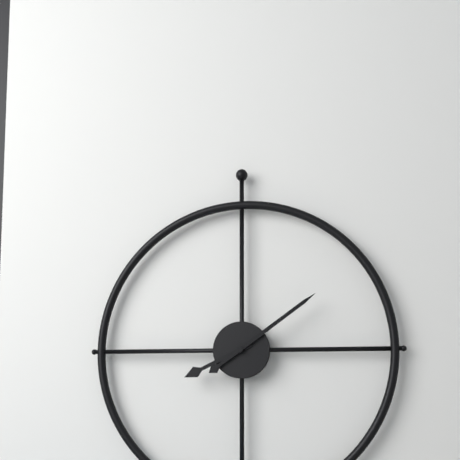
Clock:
8:09
